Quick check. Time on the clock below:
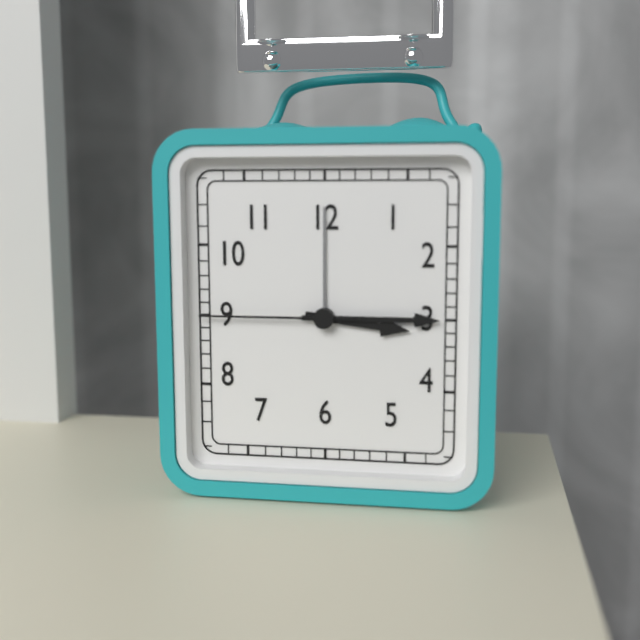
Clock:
3:15:45
